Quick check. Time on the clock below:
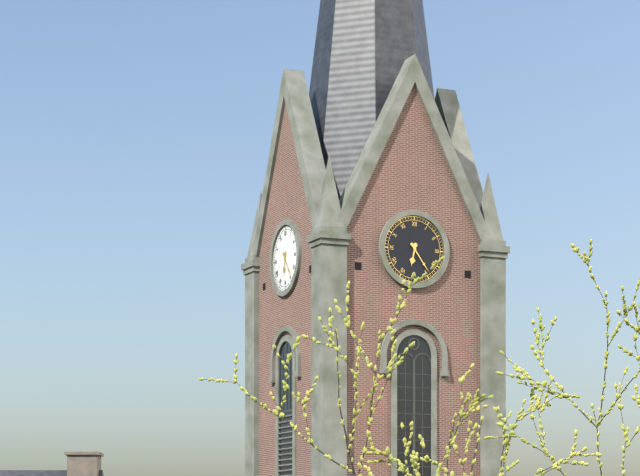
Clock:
6:24
